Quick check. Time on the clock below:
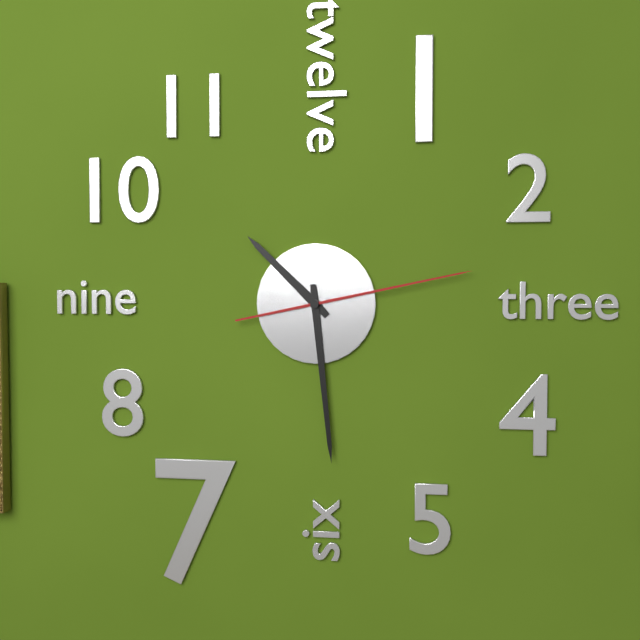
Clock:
10:29:13
